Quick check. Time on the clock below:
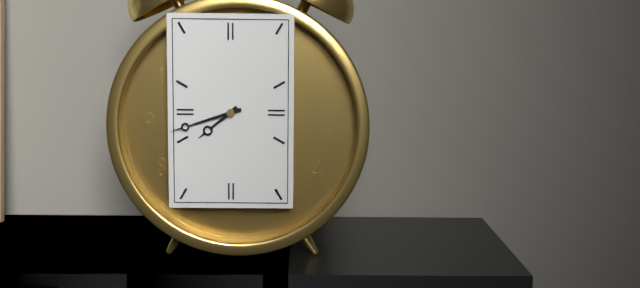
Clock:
7:42
